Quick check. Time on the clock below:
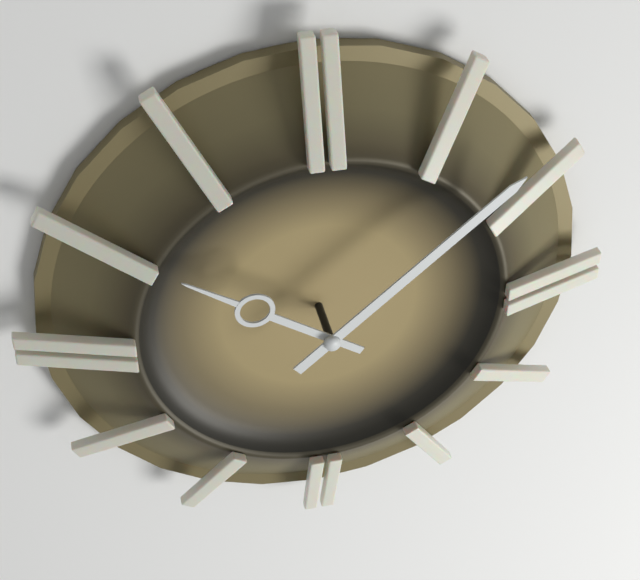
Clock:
10:08
